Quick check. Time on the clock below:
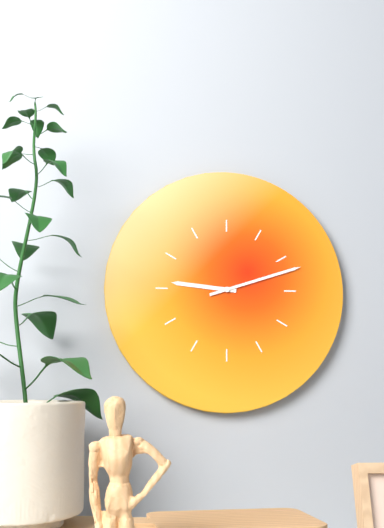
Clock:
9:12
